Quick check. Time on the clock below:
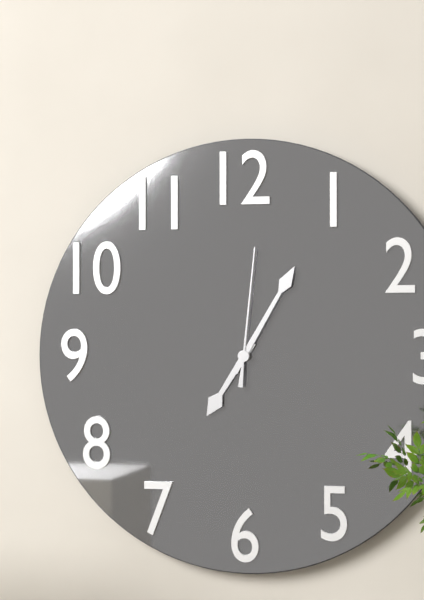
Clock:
7:05:01
